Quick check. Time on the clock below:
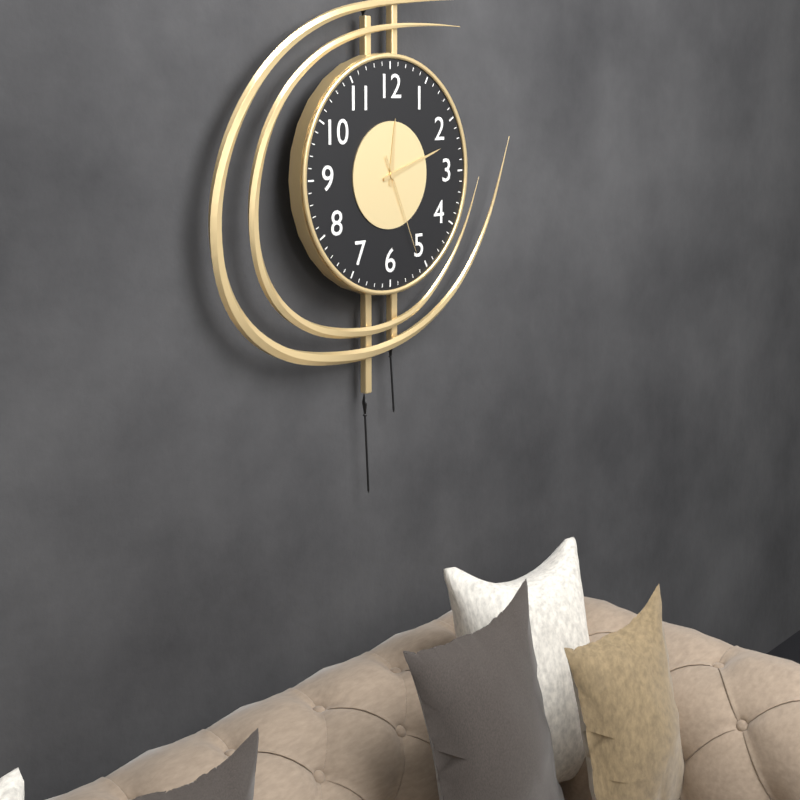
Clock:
12:12:26
